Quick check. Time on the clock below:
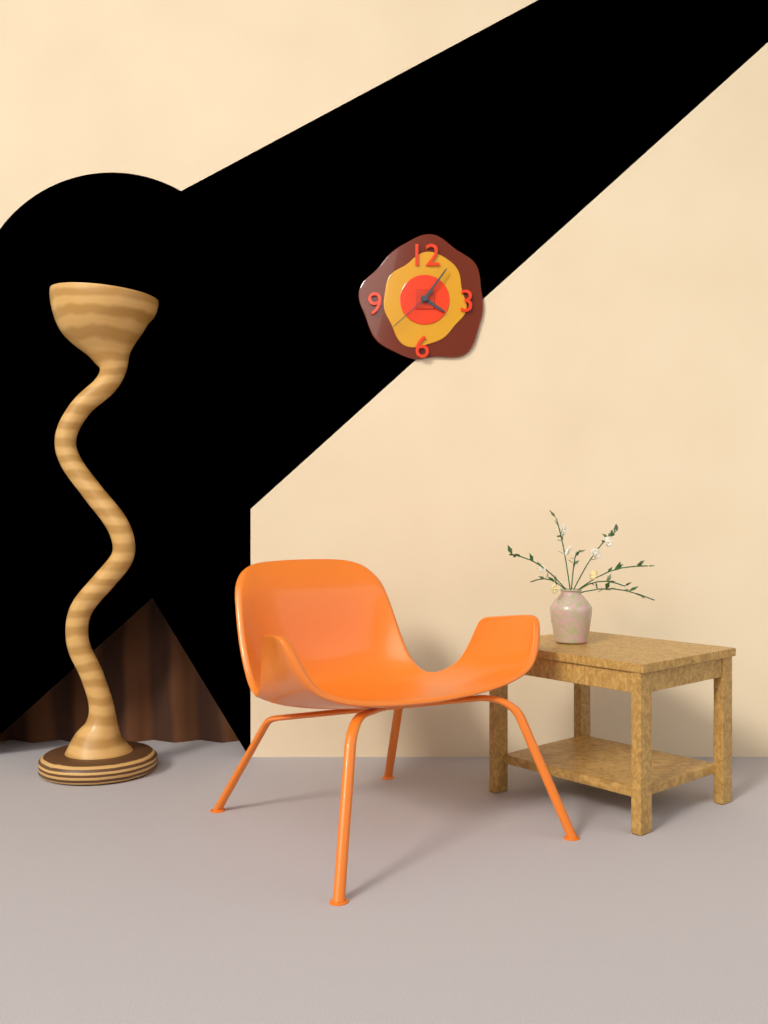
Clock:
4:06:38
